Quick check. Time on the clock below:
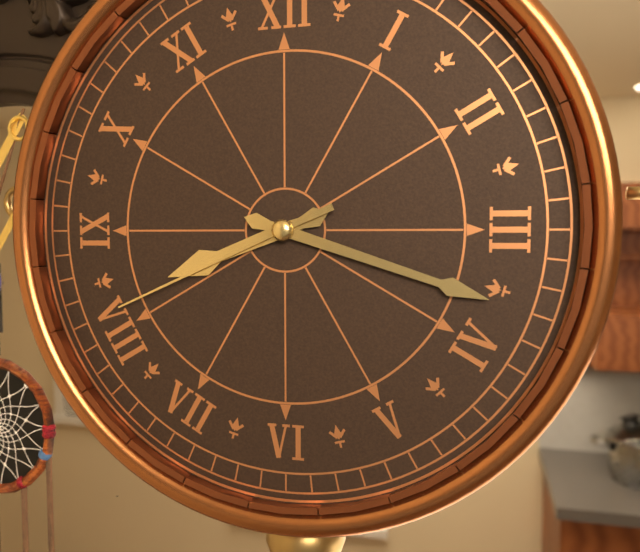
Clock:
8:18:41
